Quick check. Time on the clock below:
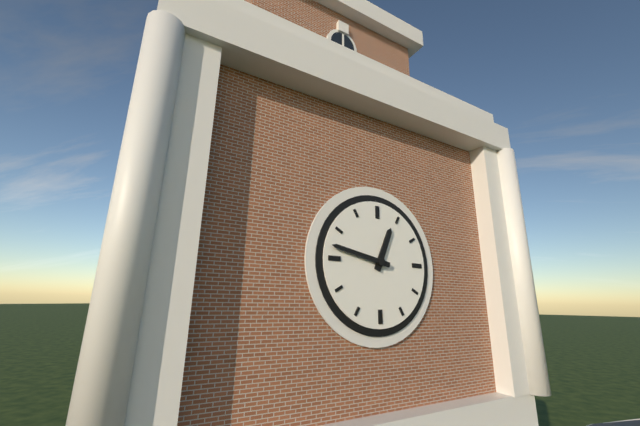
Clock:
12:47
